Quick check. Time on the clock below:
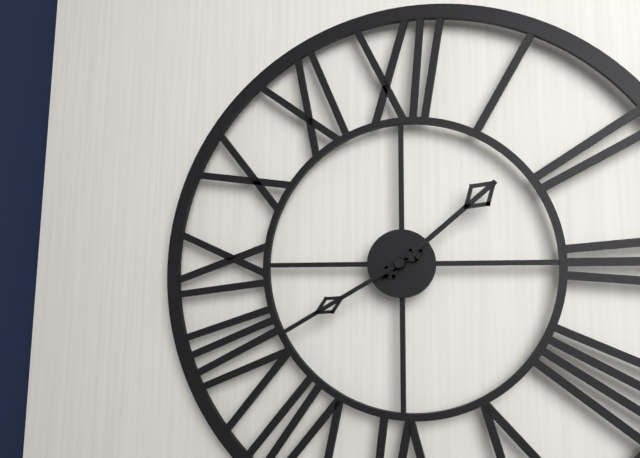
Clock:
1:40
